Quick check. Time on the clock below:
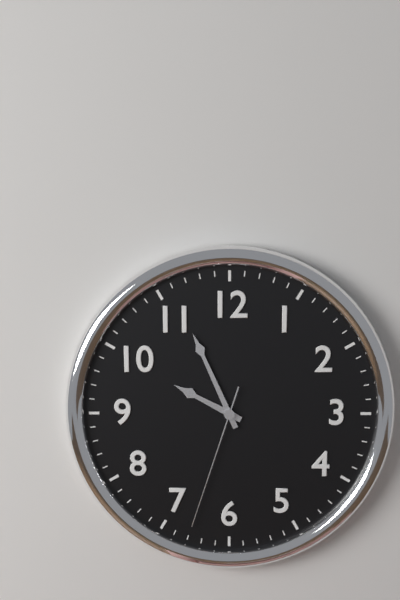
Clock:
9:56:33
